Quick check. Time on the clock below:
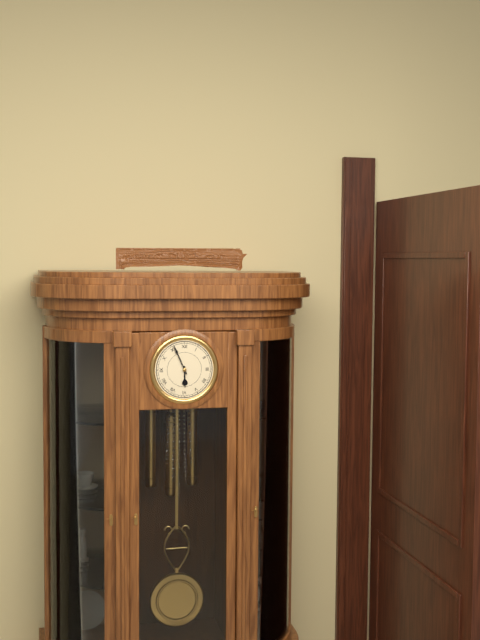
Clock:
5:56
